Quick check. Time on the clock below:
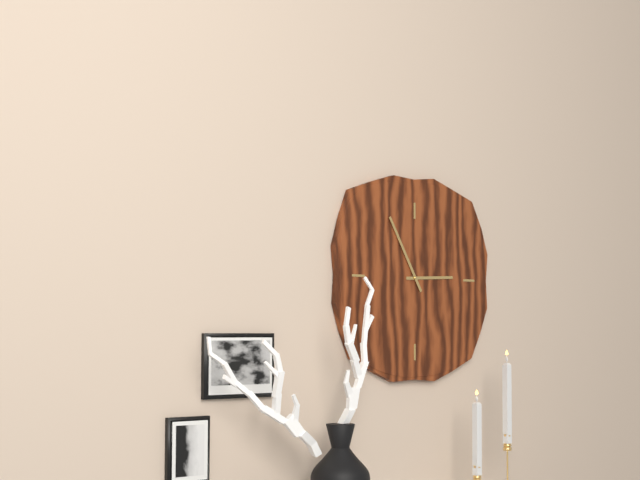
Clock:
2:55
